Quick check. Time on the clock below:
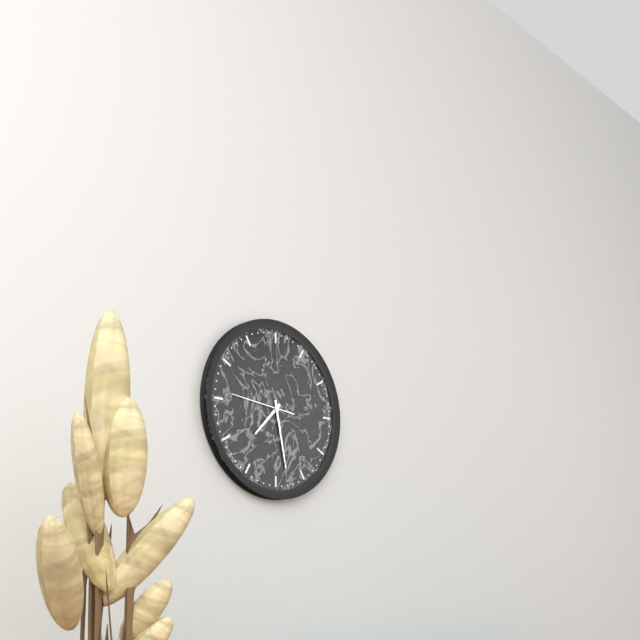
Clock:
7:28:46
